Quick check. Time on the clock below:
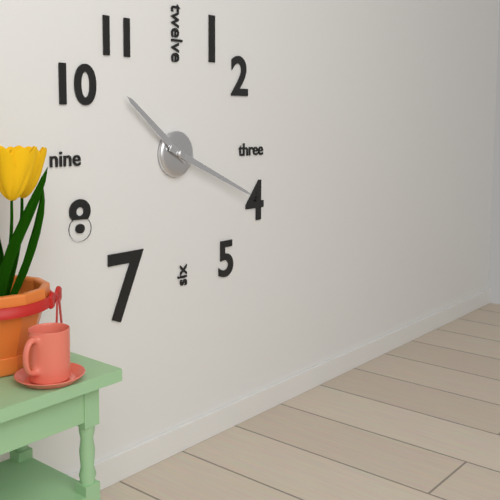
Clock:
10:19
